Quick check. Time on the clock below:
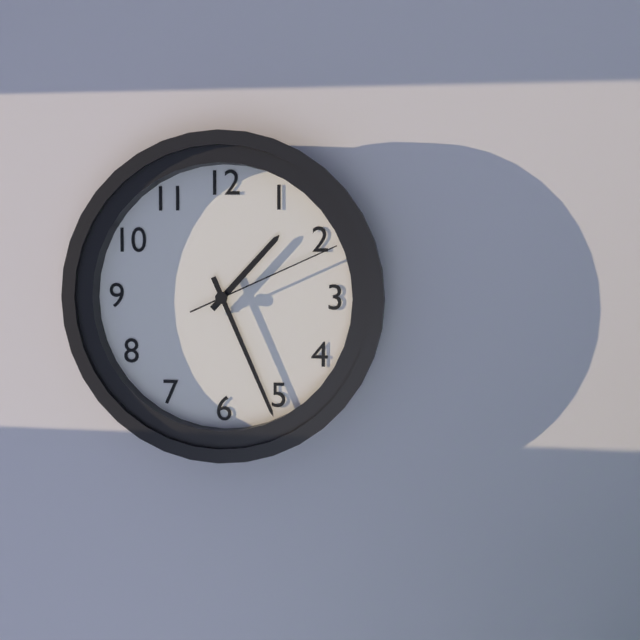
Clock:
1:26:11
